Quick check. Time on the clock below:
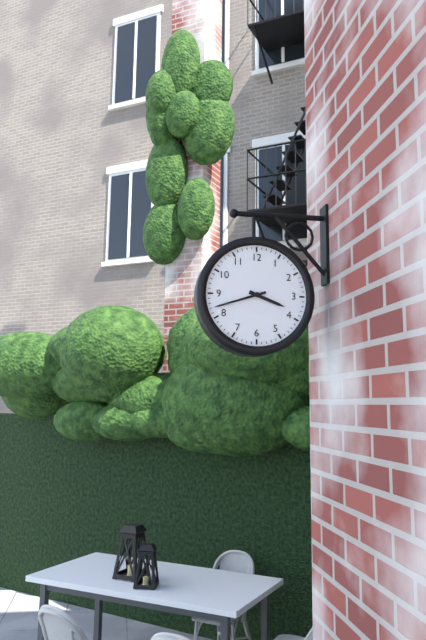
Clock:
3:42
